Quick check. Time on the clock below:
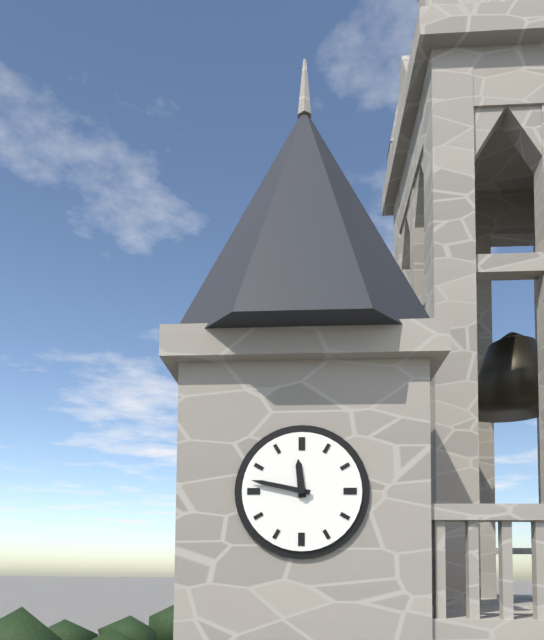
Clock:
11:47
